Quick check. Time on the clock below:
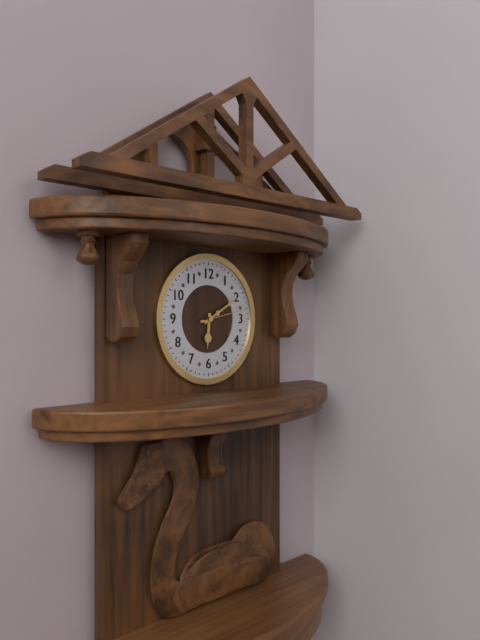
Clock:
6:10:13
